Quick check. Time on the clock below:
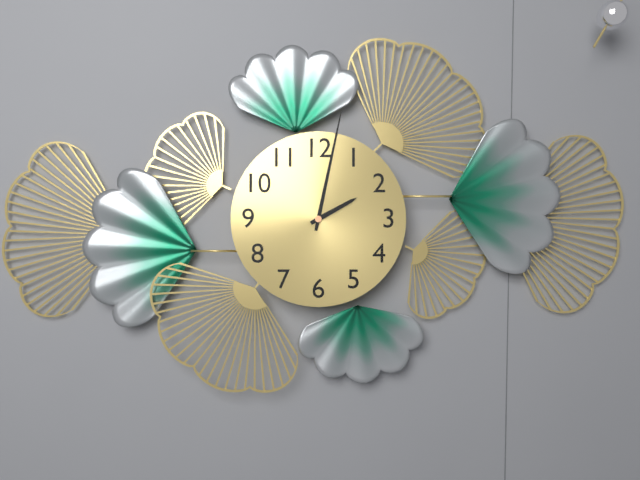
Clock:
2:02
